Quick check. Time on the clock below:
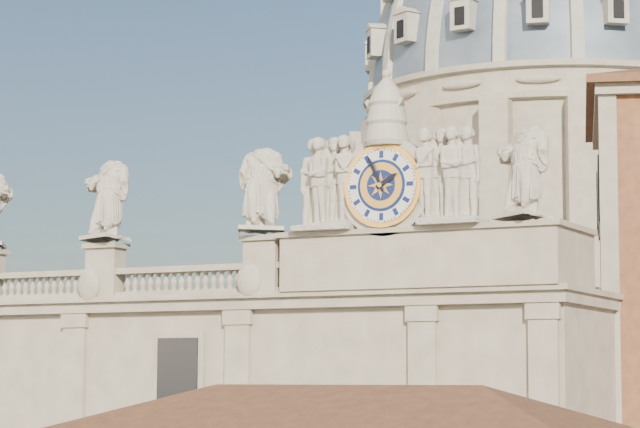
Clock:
1:56
